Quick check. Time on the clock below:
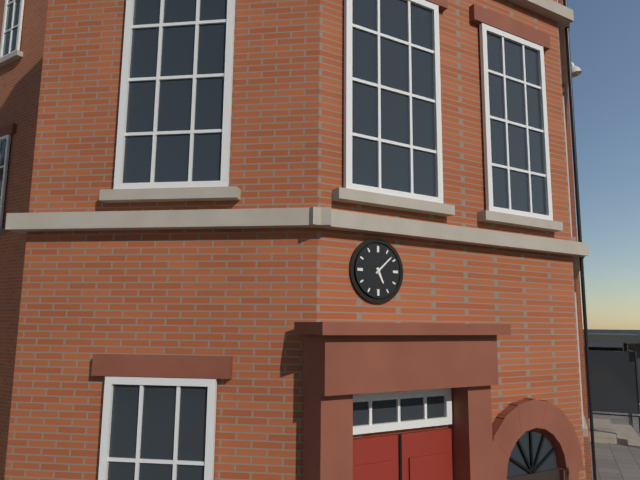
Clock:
5:08
